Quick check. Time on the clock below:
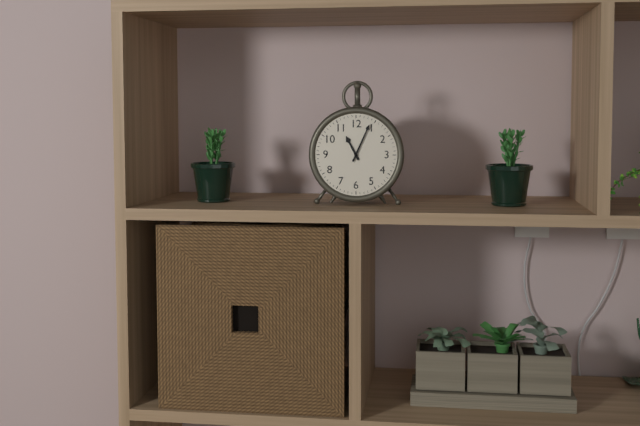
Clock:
11:04
